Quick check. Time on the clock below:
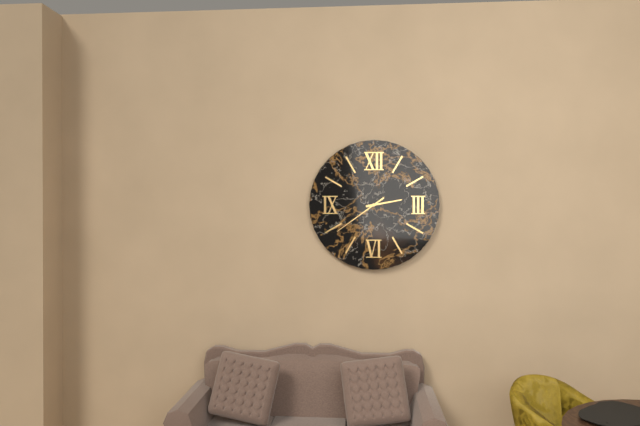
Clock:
2:39
